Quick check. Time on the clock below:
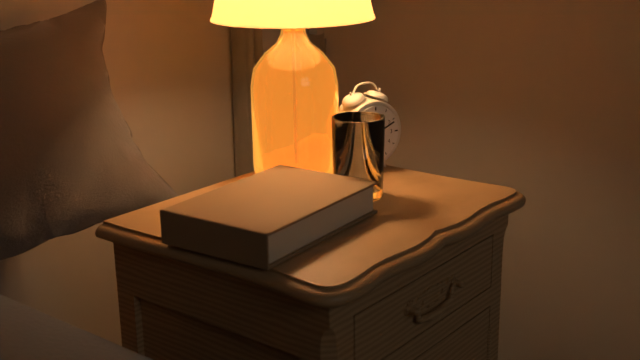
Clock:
6:11
